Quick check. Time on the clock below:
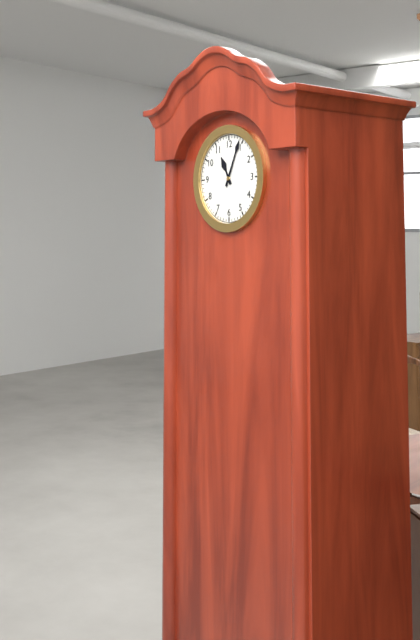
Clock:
11:04
